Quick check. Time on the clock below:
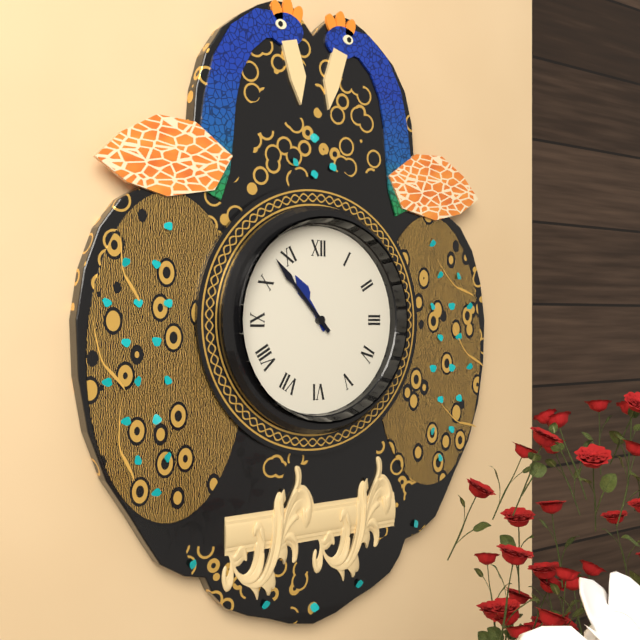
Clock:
10:53
